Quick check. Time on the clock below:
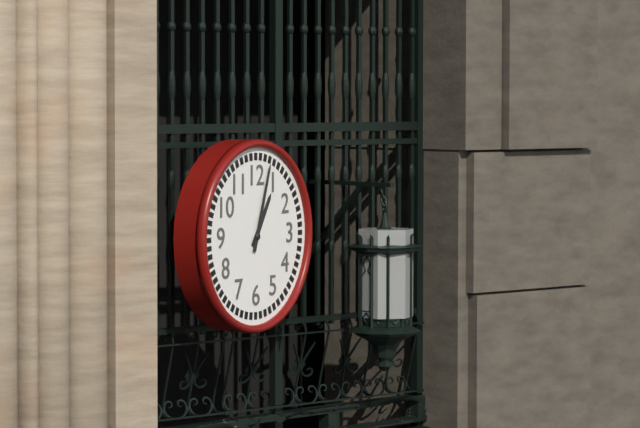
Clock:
1:03
